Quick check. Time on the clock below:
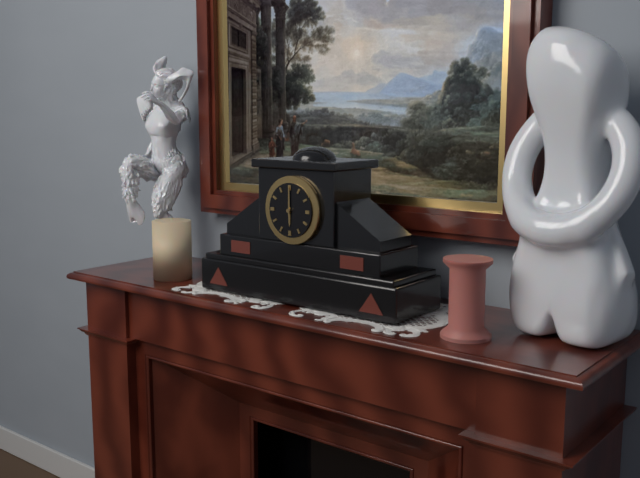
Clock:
6:00
